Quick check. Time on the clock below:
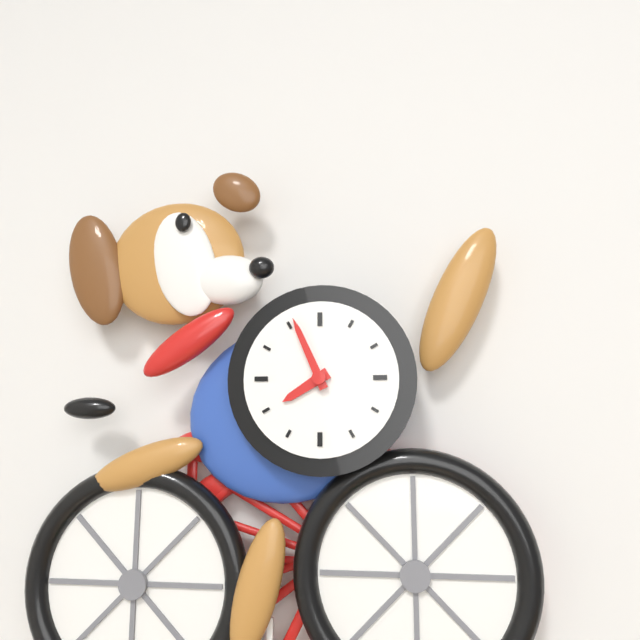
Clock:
7:56
